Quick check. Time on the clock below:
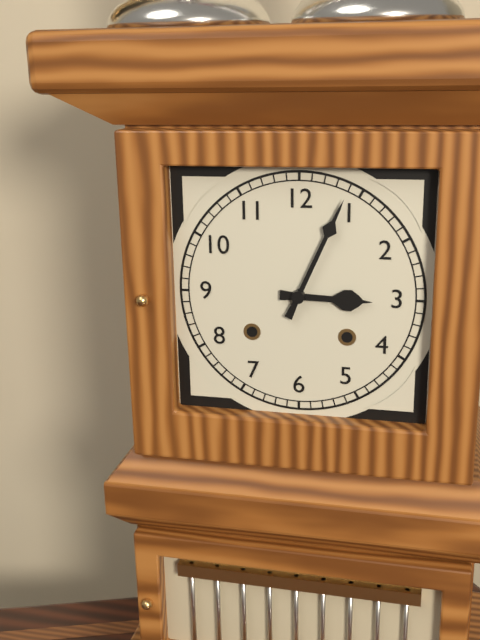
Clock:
3:04
